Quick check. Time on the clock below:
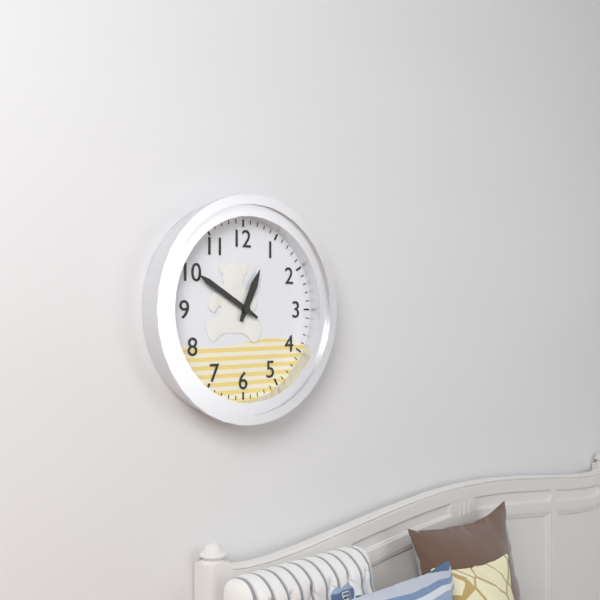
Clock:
12:50
